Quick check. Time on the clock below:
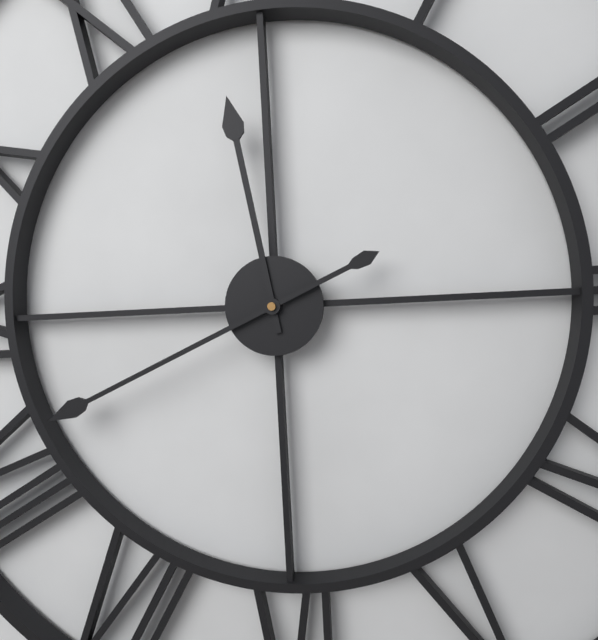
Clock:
11:41
